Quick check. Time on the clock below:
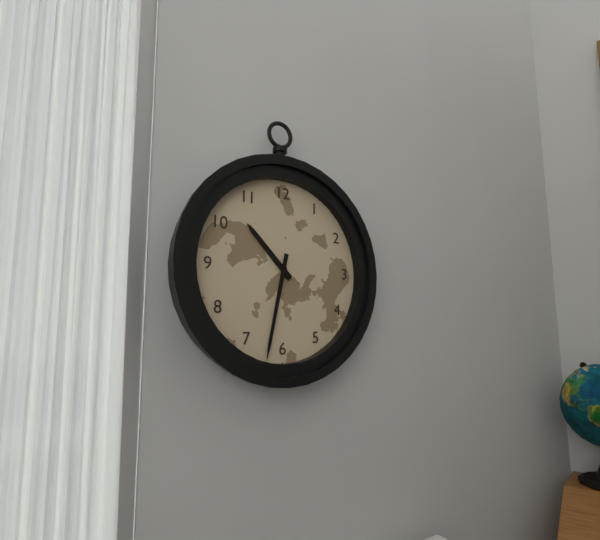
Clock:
10:32
